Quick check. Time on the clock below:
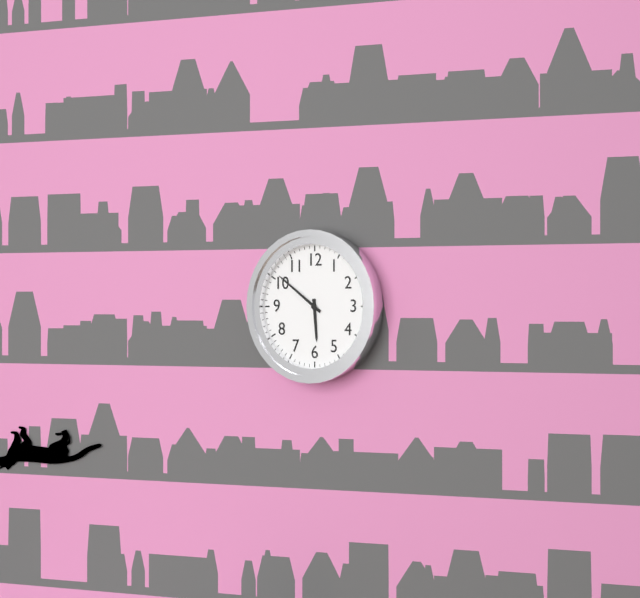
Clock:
5:51
